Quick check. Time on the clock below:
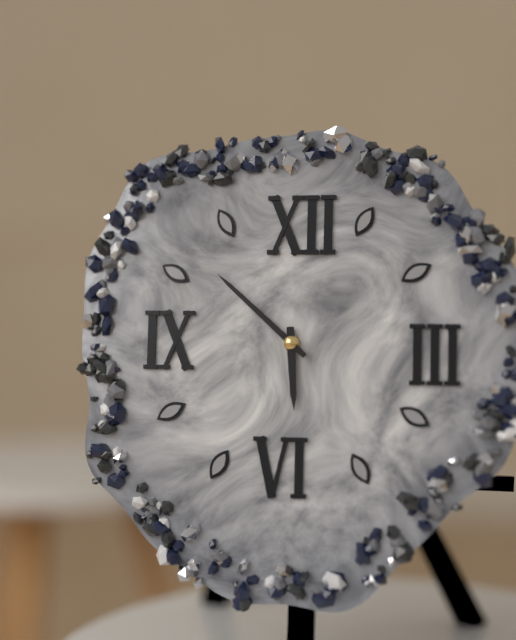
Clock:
5:52
